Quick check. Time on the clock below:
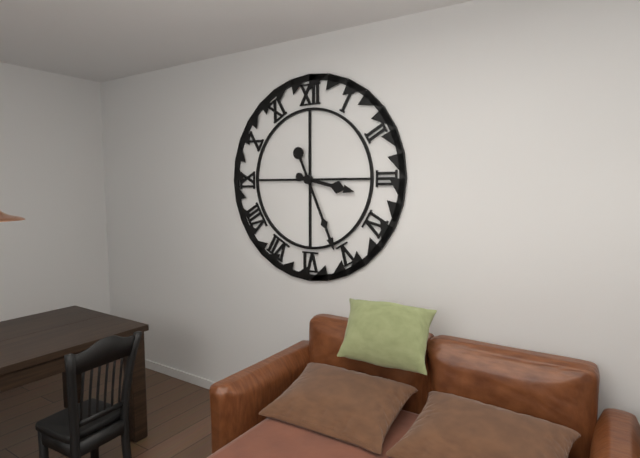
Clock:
3:26
